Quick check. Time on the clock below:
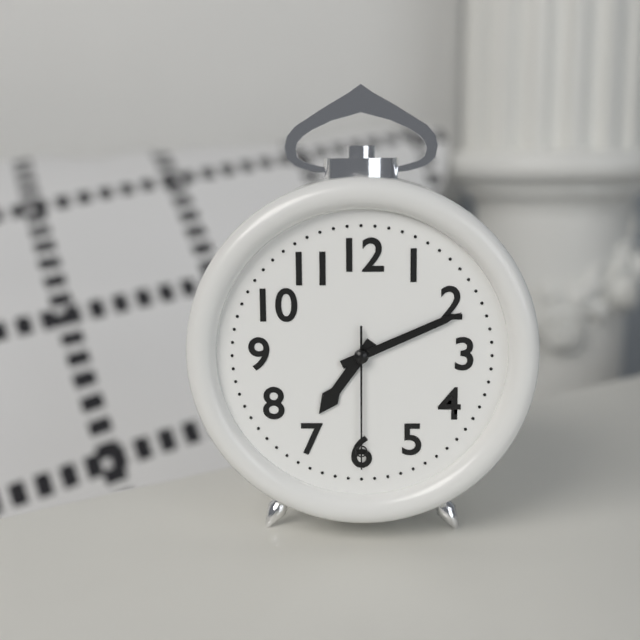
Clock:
7:11:30
